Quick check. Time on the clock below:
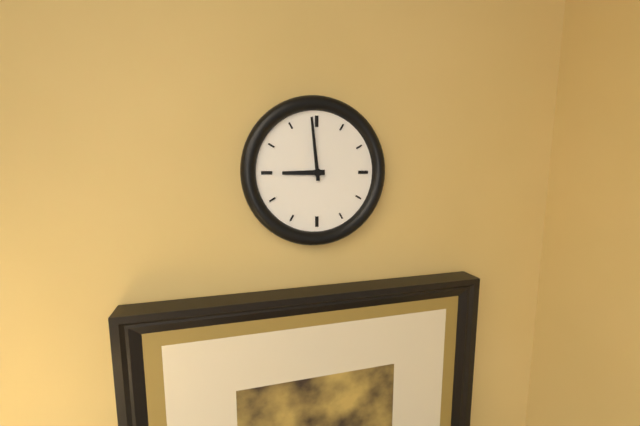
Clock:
8:59
